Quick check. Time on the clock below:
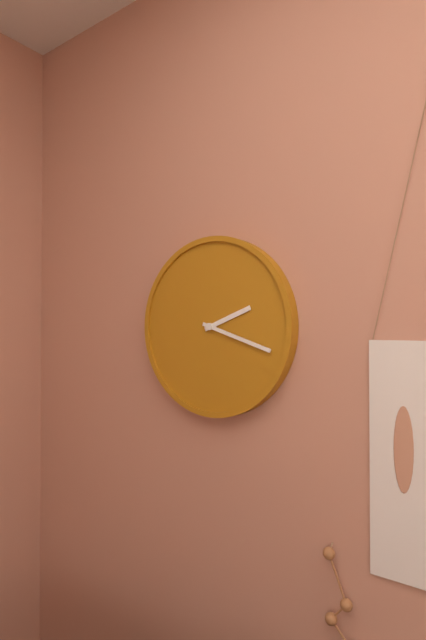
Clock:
2:18
